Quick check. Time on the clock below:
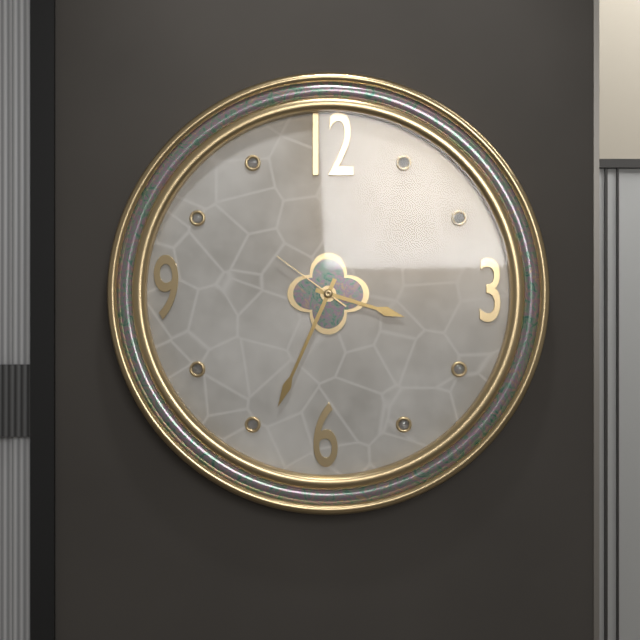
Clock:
3:34:51
